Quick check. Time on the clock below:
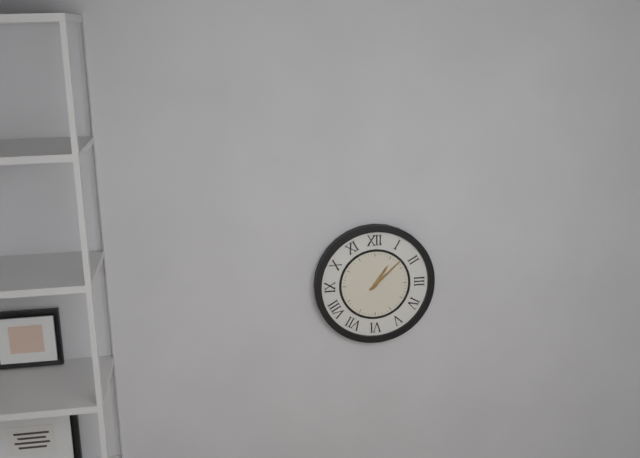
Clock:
1:08
